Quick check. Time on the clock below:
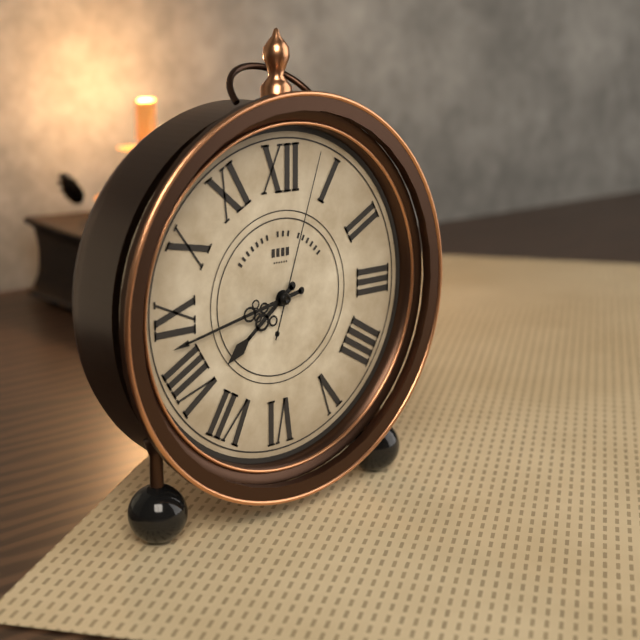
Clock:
7:43:03
